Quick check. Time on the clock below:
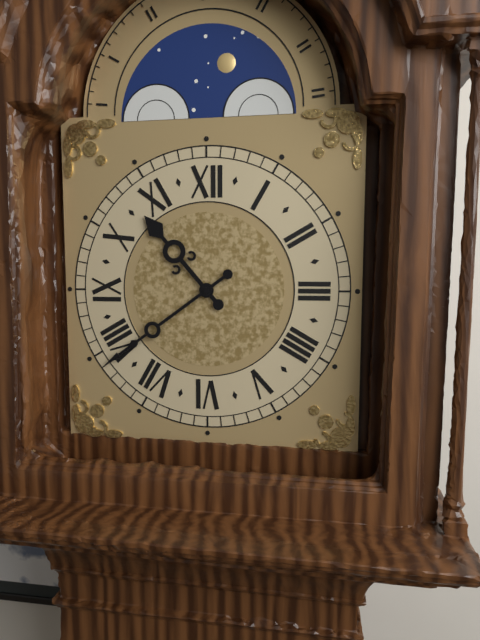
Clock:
10:39
